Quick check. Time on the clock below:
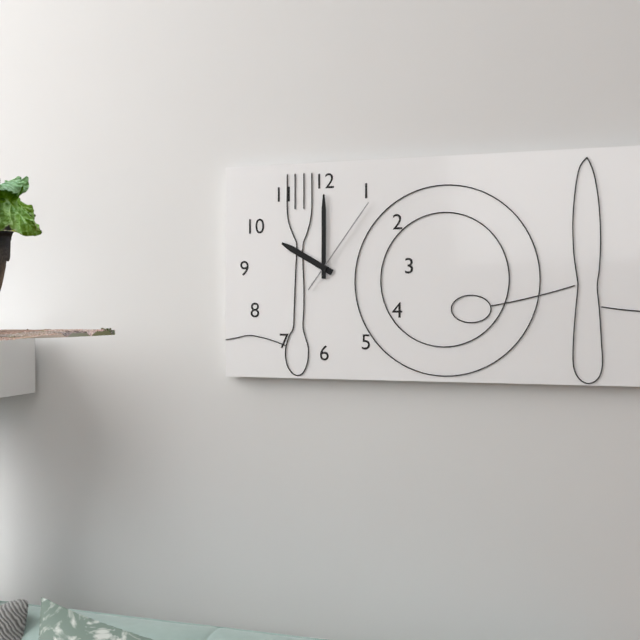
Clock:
10:00:06
